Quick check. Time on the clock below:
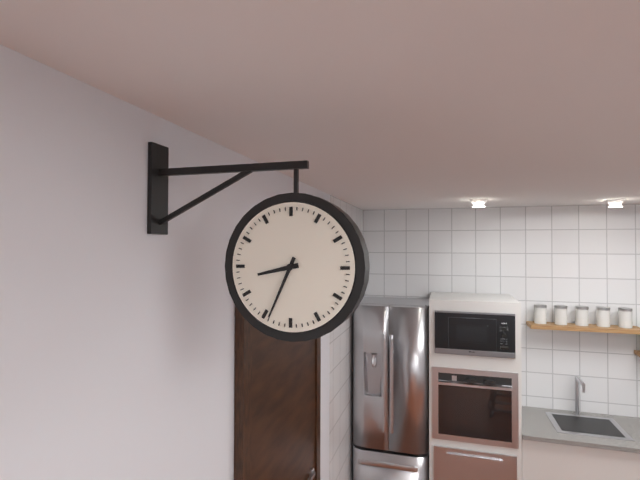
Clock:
8:34
